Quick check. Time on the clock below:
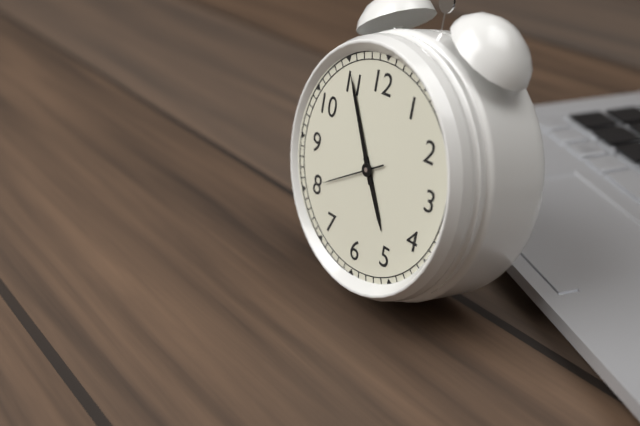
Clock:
4:55:40
